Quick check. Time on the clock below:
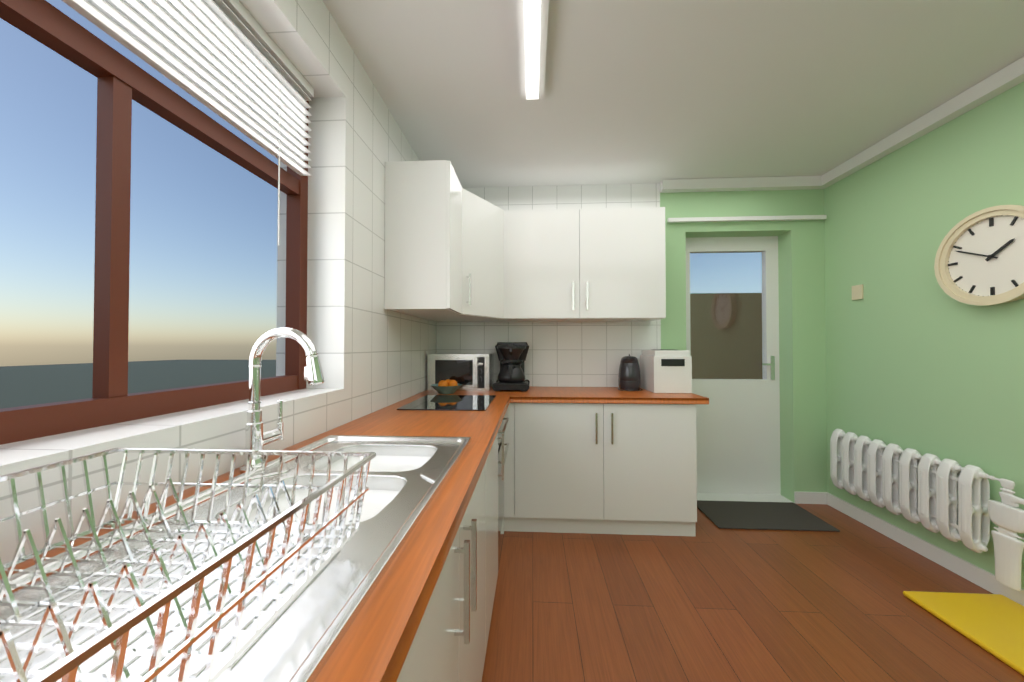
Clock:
1:49
